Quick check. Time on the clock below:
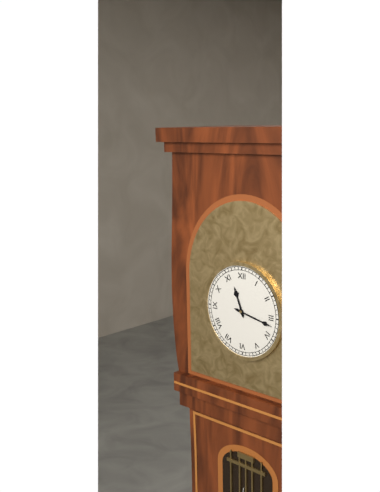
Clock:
11:17
